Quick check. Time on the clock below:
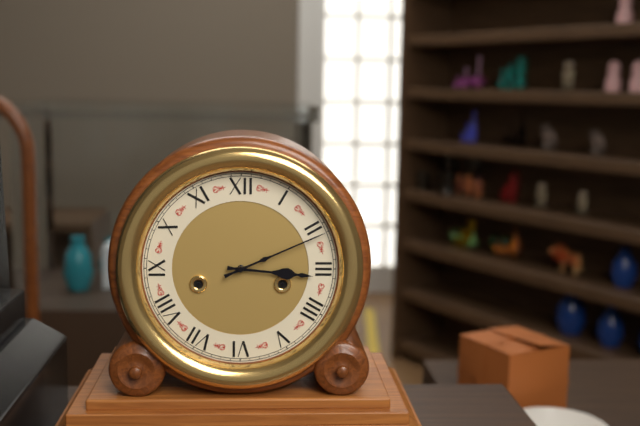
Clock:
3:11
